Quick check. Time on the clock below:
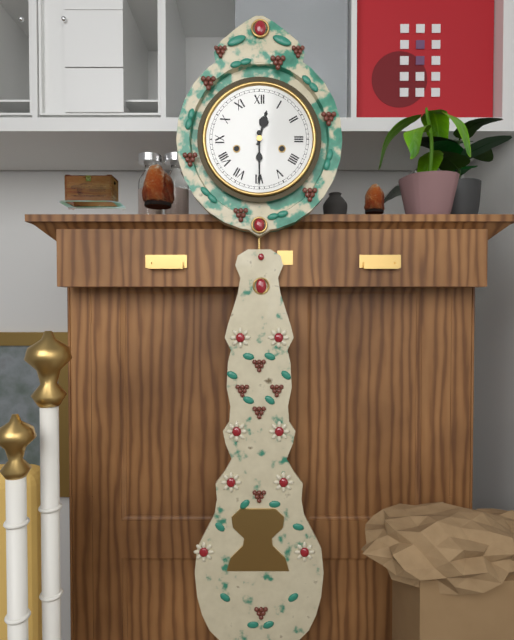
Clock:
12:30
